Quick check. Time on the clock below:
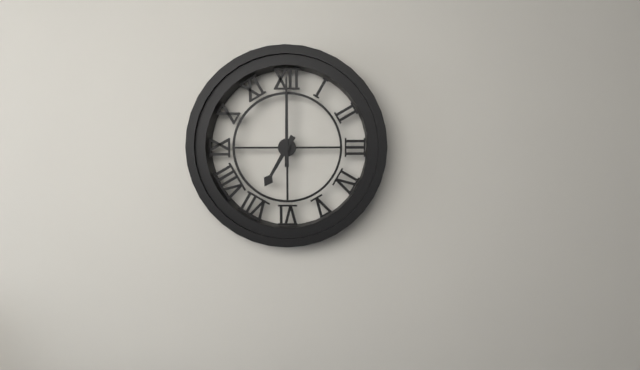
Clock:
7:00
